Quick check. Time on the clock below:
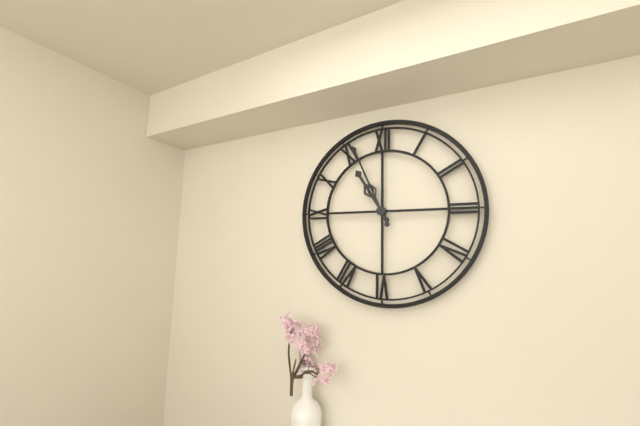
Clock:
10:56
